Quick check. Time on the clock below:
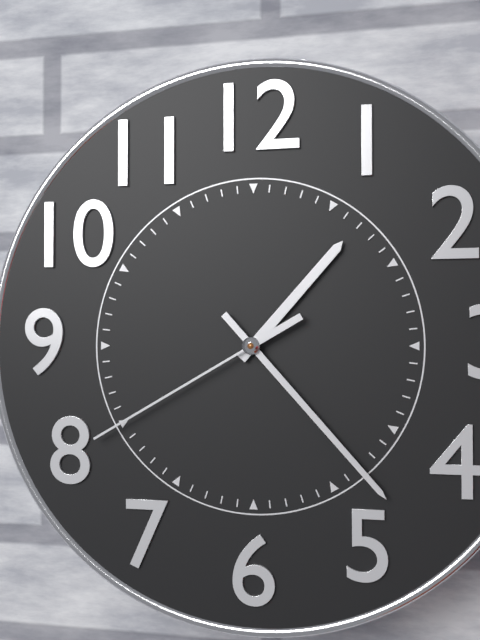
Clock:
1:23:40
